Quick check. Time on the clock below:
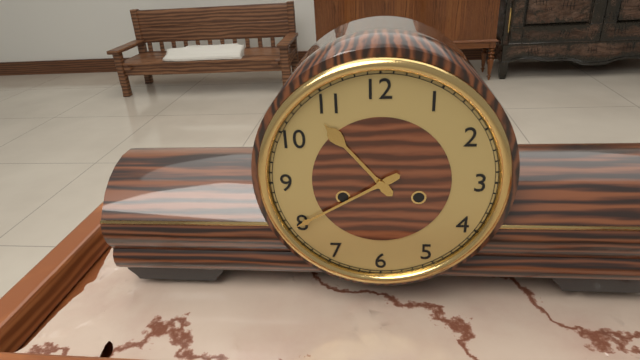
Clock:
10:40
